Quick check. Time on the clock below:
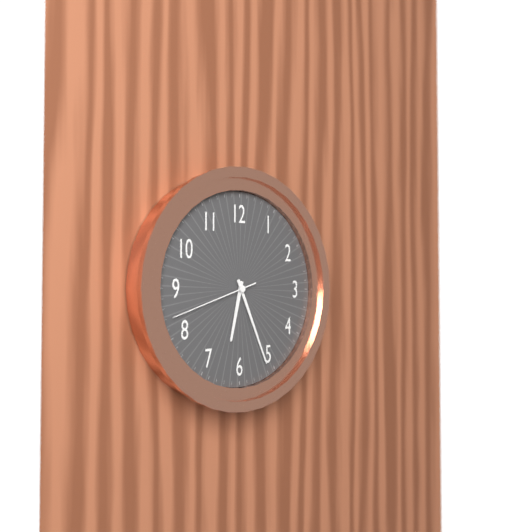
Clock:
6:26:42
